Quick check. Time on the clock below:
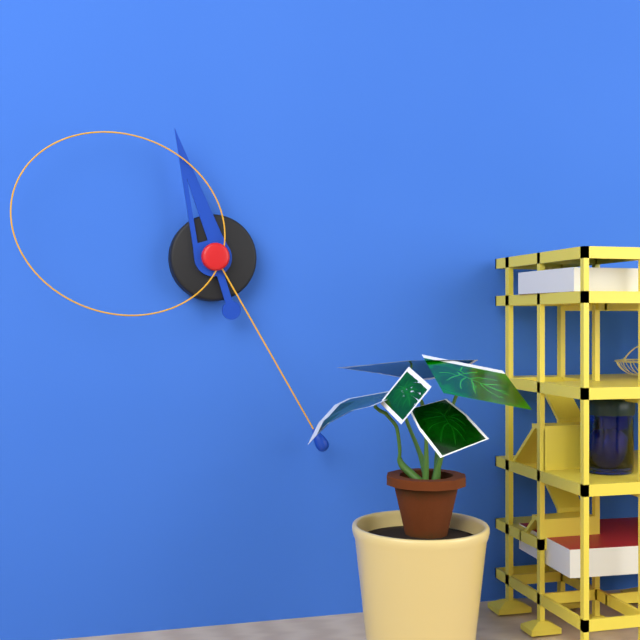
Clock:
11:25:48
